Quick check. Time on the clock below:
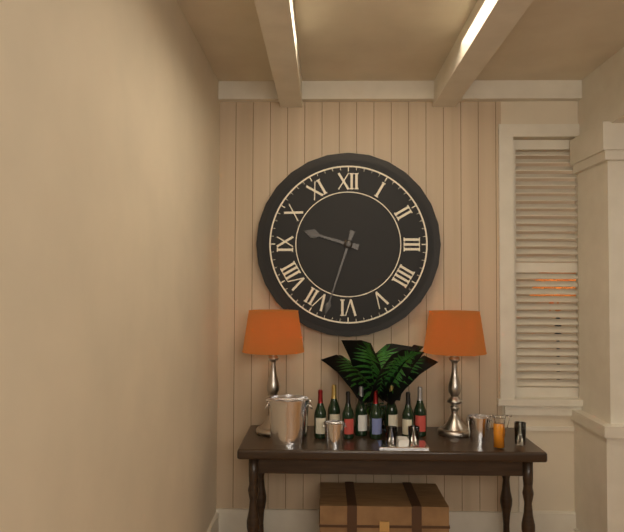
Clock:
9:33
